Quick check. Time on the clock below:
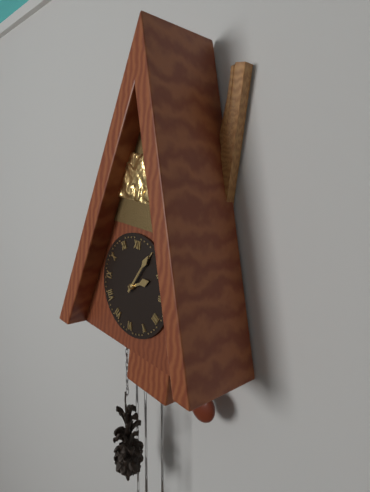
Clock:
2:05
